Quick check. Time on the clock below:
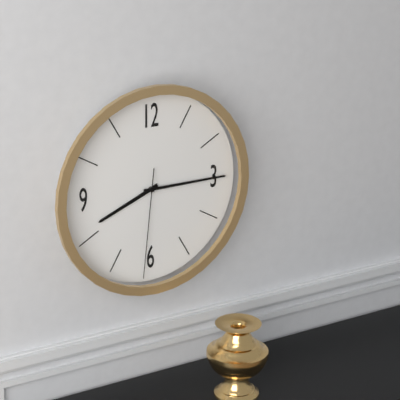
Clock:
8:15:31
